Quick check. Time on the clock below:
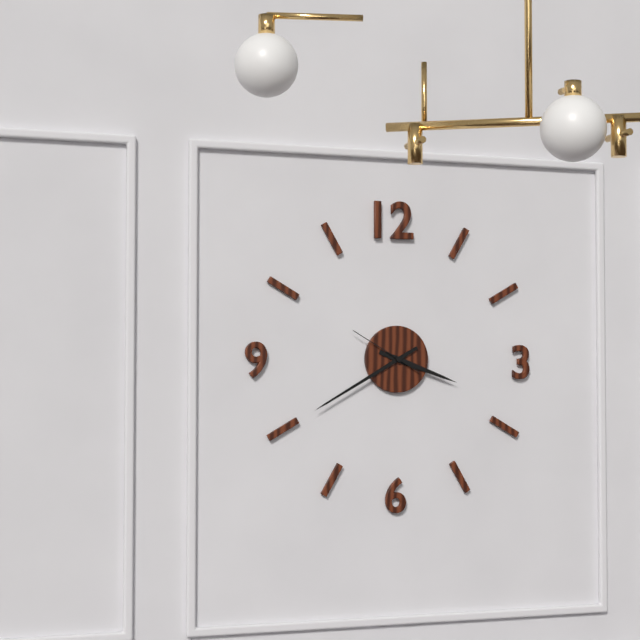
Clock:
3:40:50
